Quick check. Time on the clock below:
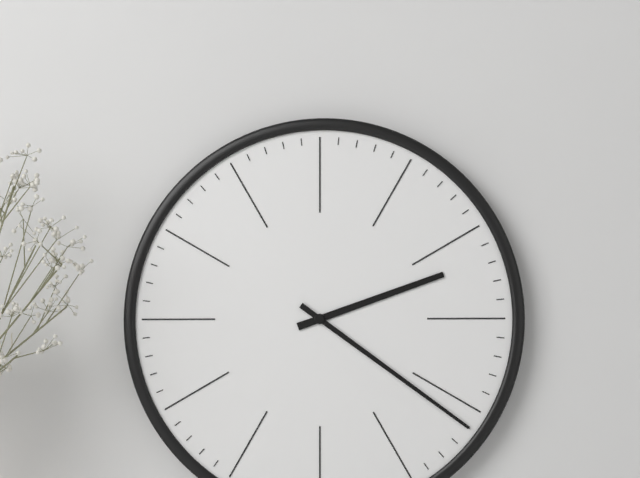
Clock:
2:21
